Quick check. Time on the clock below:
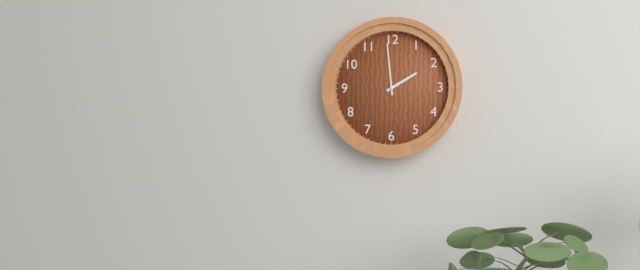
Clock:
1:59
